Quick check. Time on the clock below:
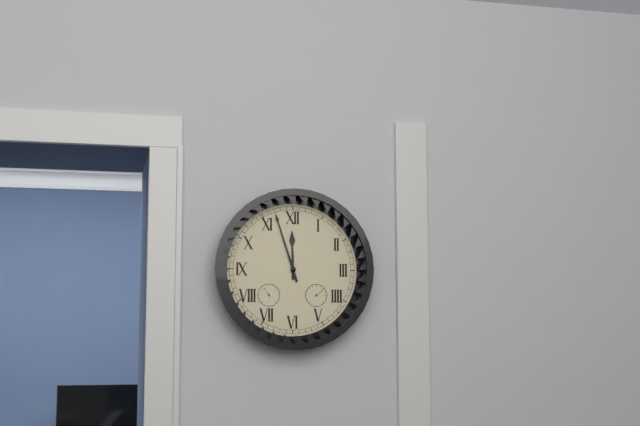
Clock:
11:57
